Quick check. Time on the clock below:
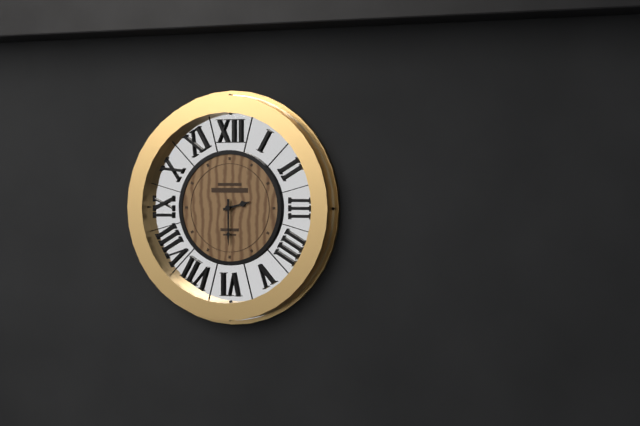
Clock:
2:30
